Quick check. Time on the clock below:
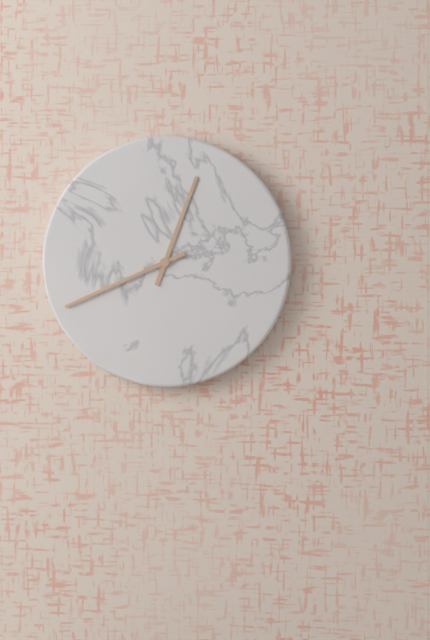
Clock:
12:41
